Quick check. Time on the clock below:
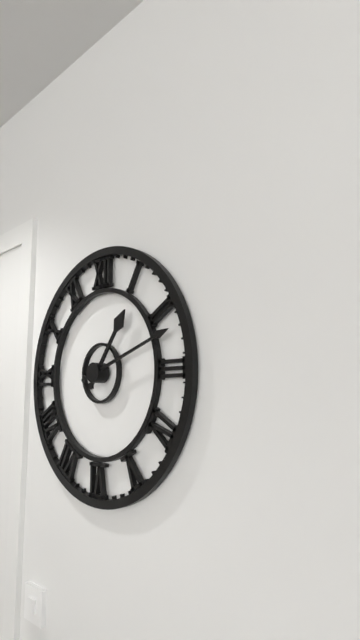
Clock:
1:12
